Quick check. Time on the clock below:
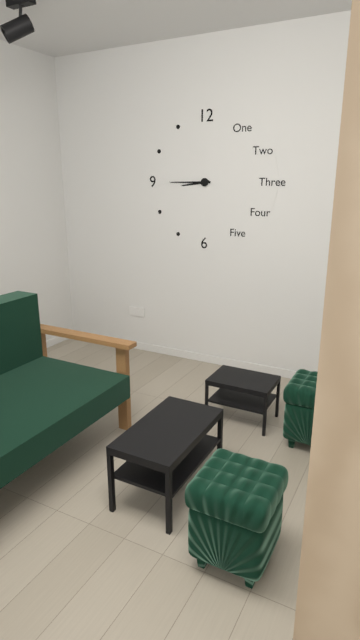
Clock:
8:45
